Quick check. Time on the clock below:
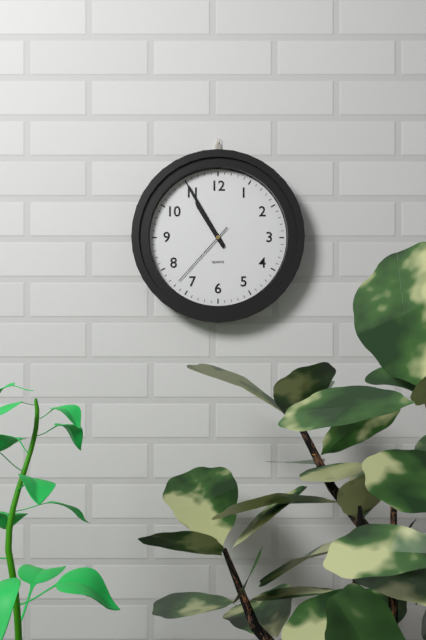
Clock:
10:55:37
